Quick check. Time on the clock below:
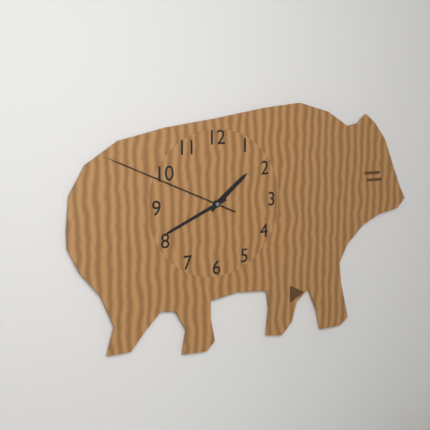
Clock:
1:41:49
